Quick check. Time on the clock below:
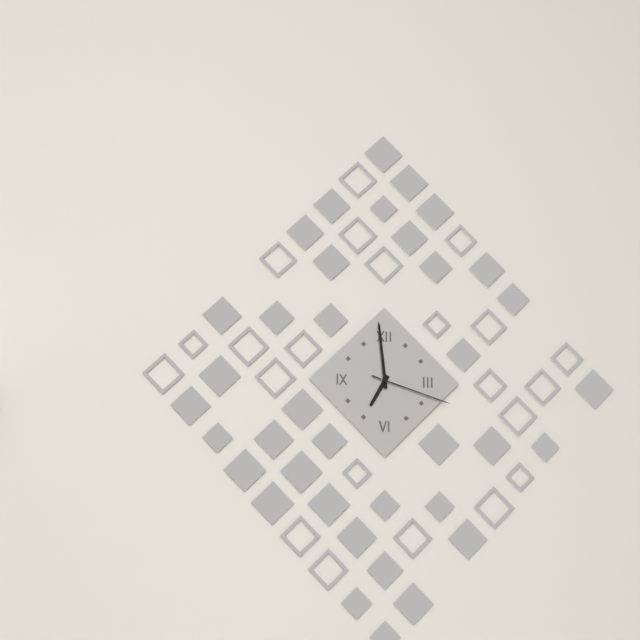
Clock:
6:59:18
